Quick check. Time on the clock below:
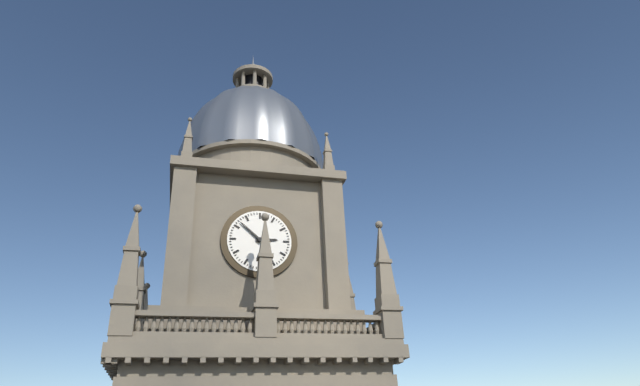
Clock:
2:52
